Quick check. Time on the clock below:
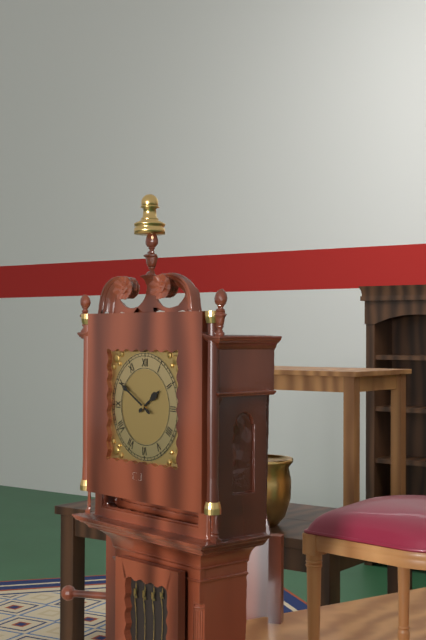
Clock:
1:50
